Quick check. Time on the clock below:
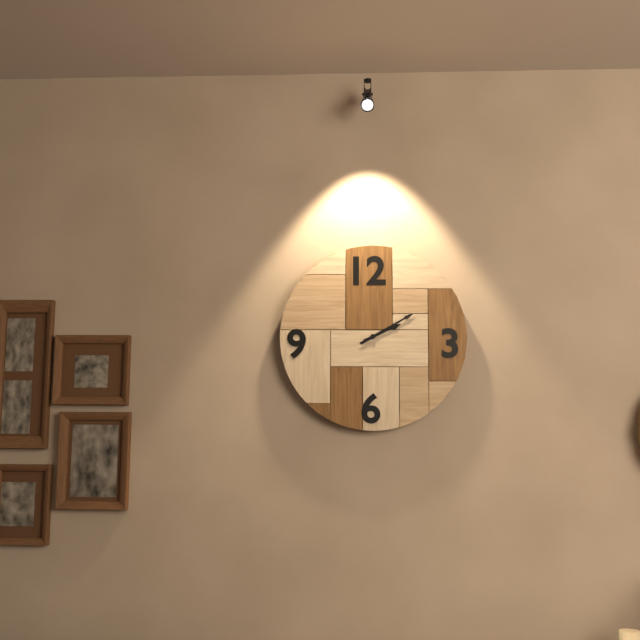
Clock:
2:10
